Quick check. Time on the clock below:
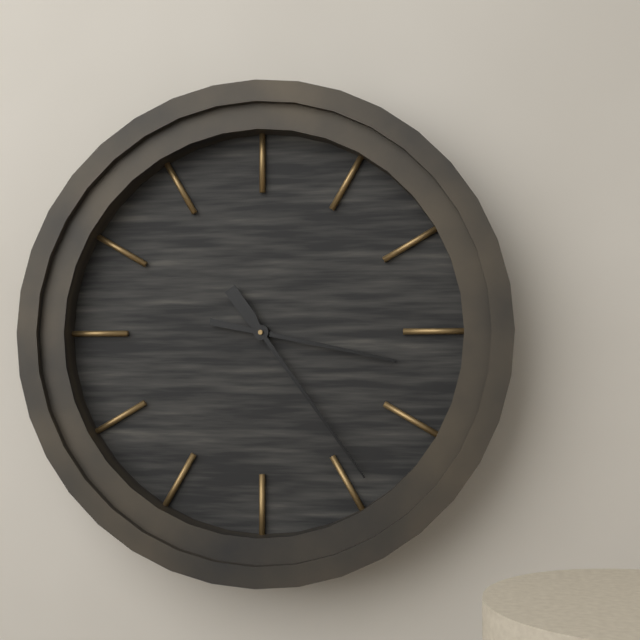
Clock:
3:24
